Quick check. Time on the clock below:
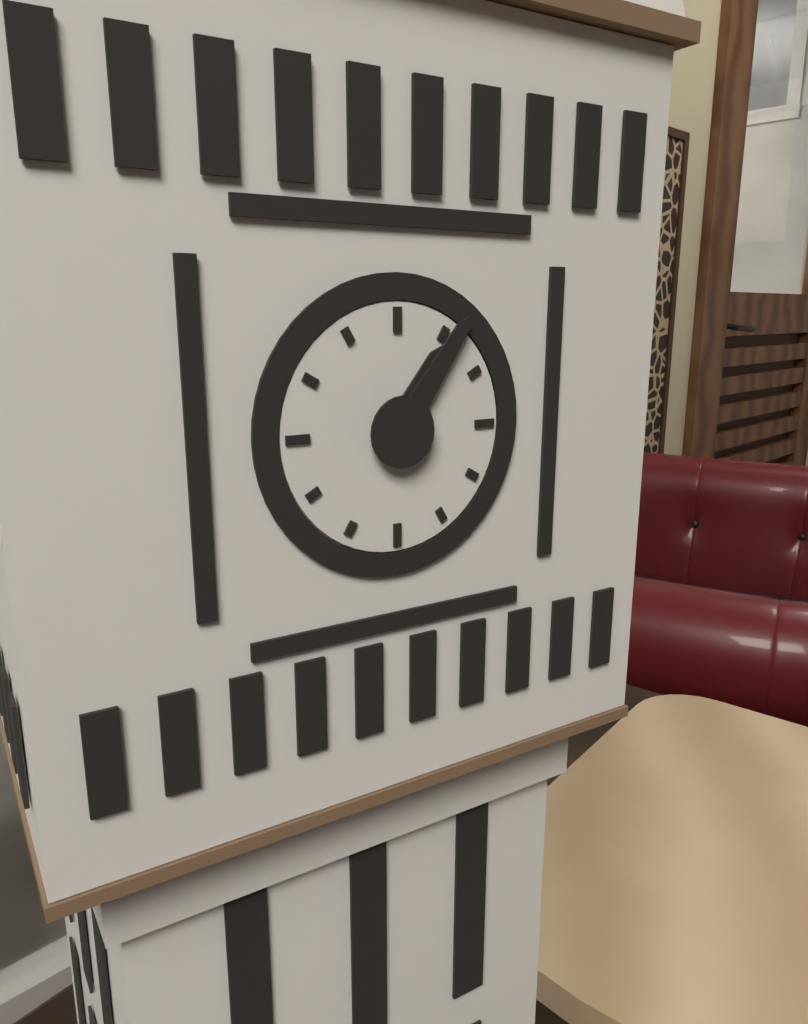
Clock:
1:06
